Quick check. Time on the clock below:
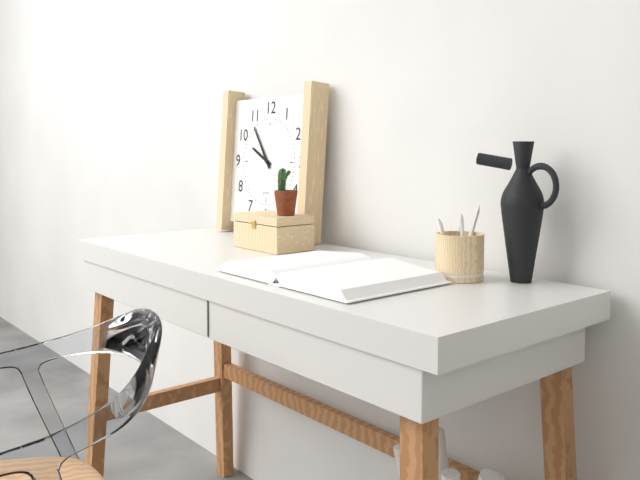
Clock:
9:54
